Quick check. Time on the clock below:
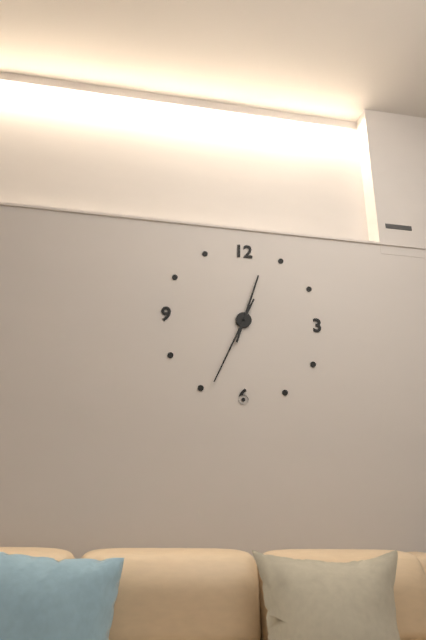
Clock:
12:34
